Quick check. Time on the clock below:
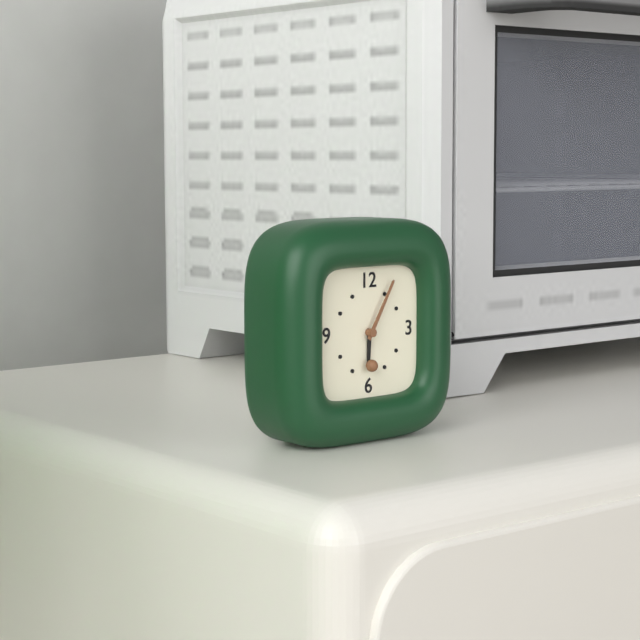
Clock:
6:05
